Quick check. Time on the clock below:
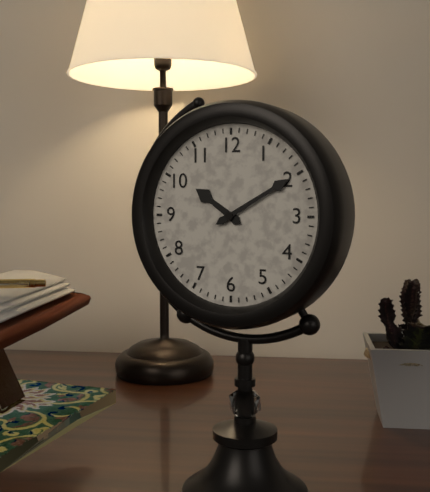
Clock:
10:10
